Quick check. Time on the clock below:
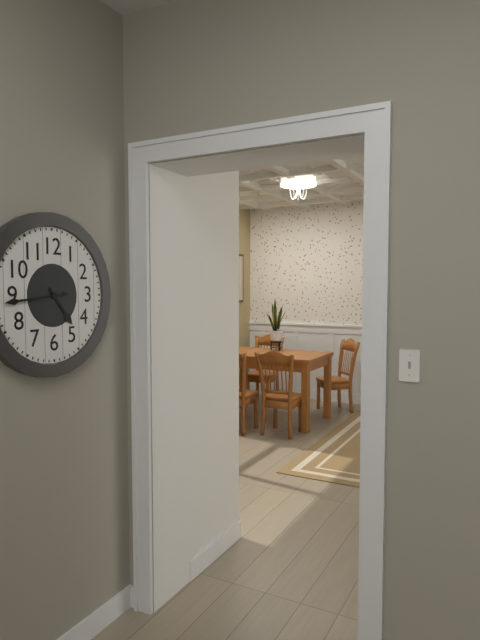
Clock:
4:44
